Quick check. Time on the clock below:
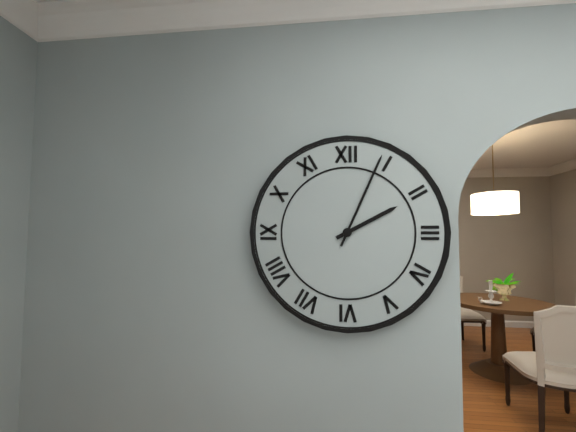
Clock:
2:04
